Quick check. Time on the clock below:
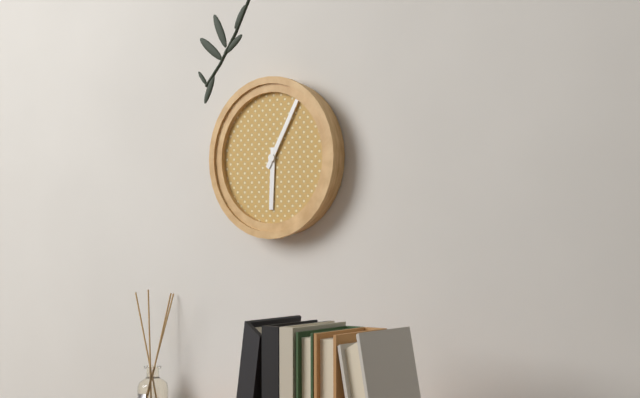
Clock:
6:05
